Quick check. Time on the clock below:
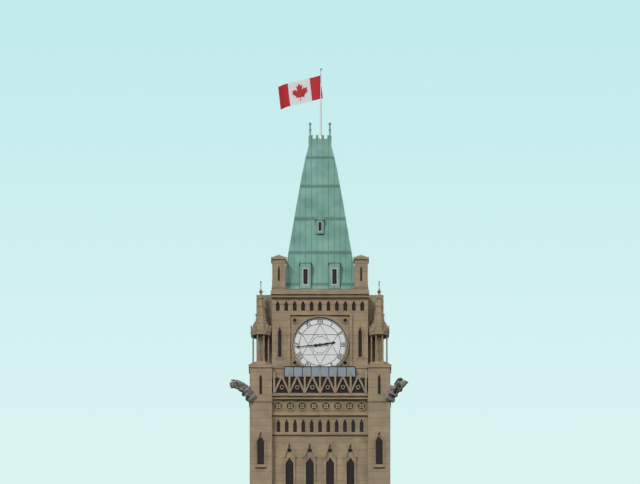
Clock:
2:44
